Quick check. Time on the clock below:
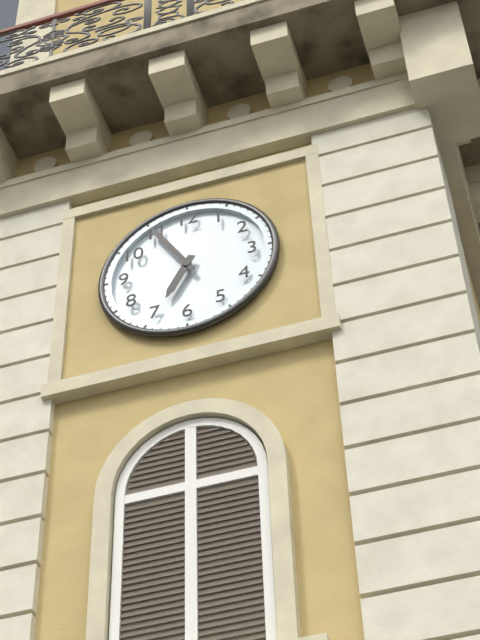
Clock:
6:55
